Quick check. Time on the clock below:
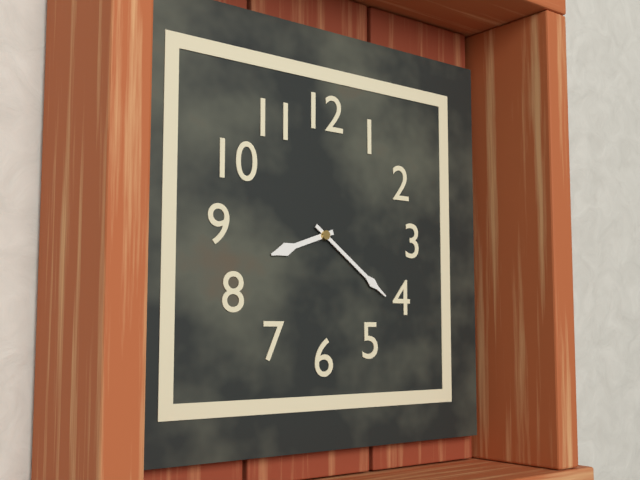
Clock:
8:21
